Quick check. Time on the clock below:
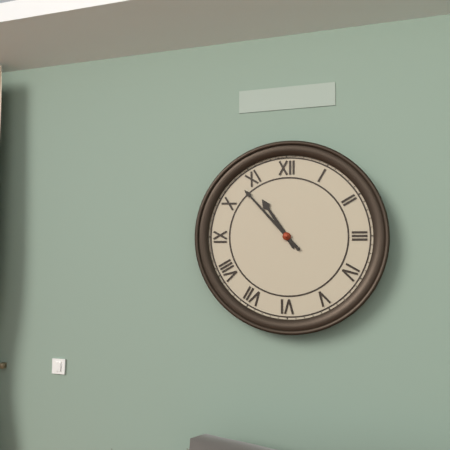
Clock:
10:53
